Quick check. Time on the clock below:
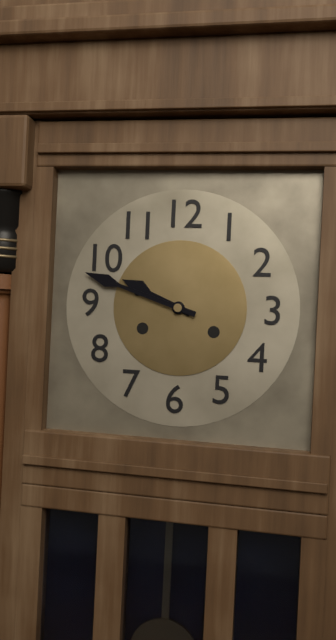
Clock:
9:48
